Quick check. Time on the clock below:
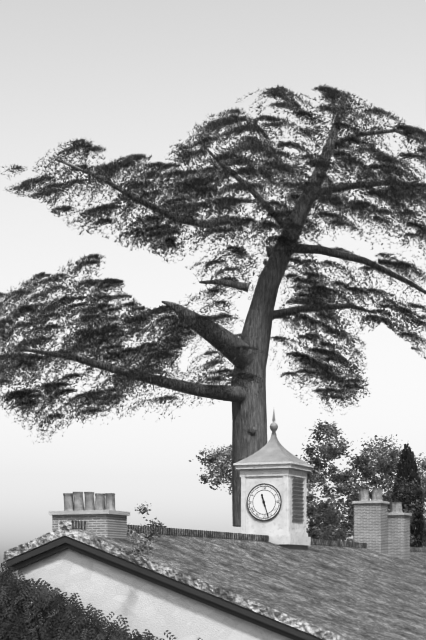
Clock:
11:27
